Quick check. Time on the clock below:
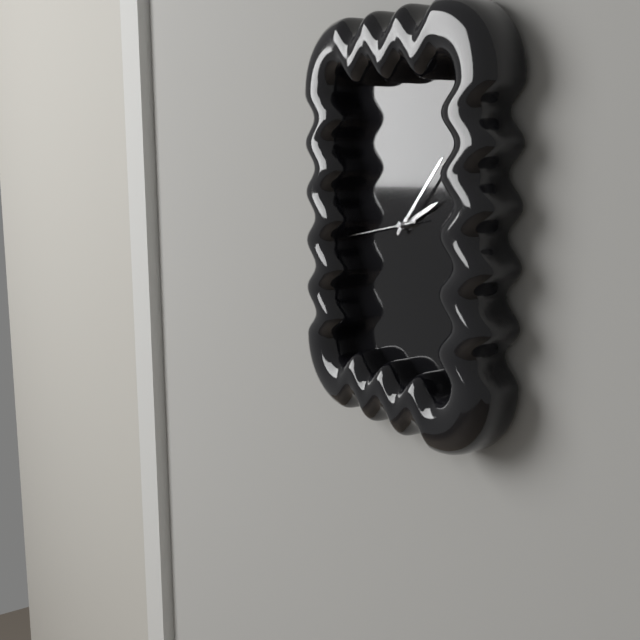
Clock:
2:07:43
